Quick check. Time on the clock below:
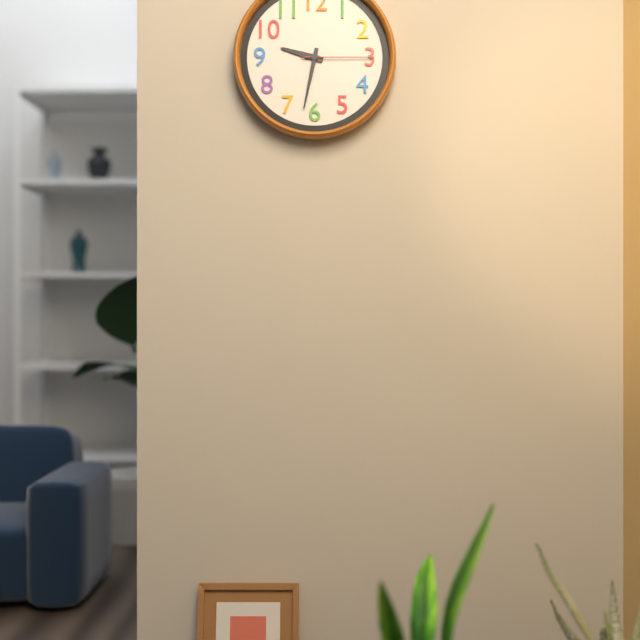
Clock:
9:32:15
